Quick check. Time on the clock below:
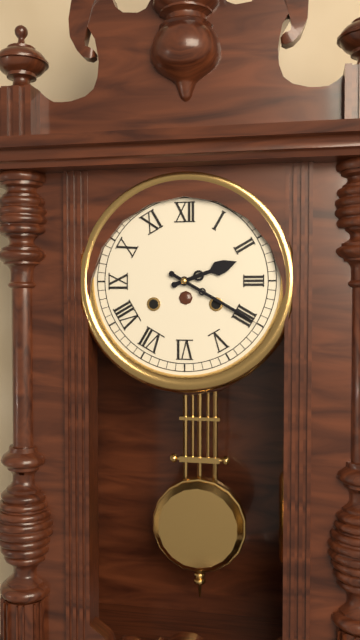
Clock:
2:20
